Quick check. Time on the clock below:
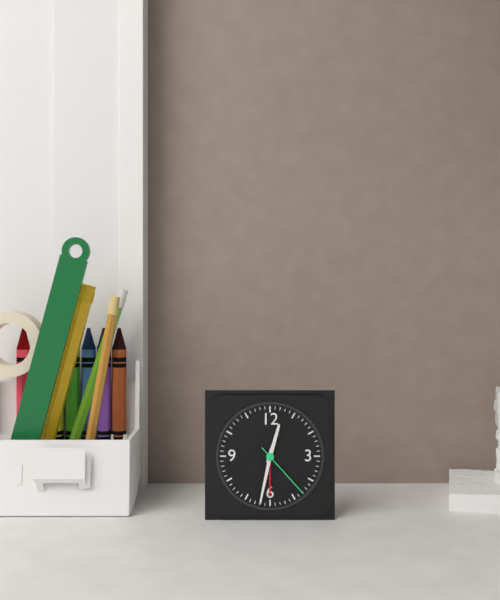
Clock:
12:32:23
